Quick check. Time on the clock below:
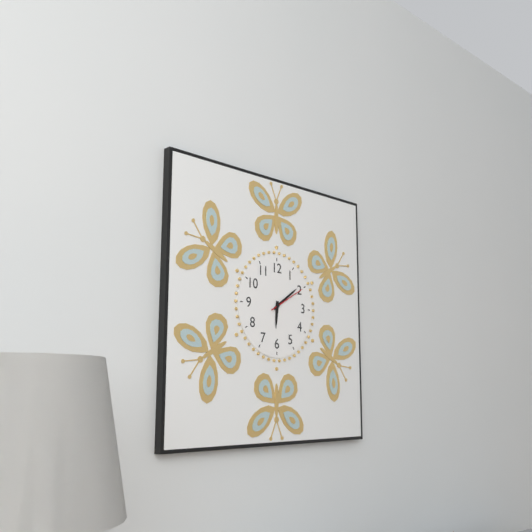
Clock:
6:09
